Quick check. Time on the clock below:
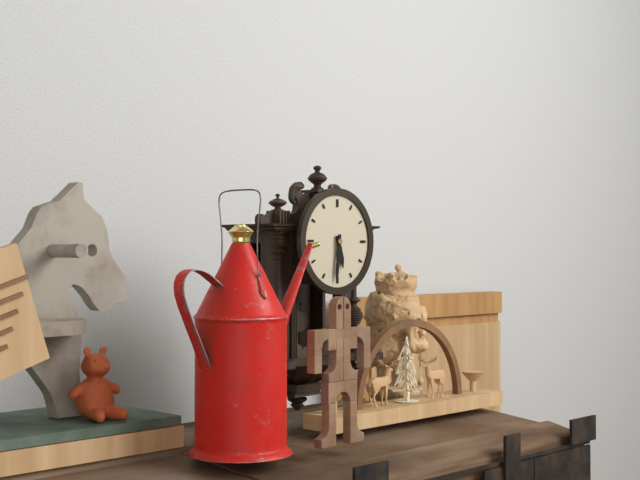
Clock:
5:31
